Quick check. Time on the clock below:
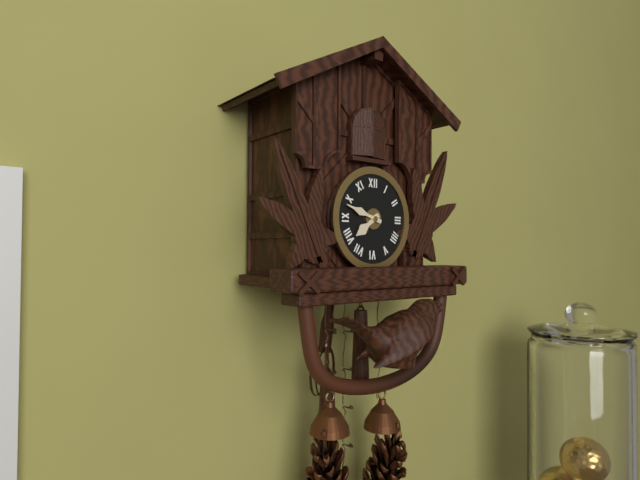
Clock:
7:48
